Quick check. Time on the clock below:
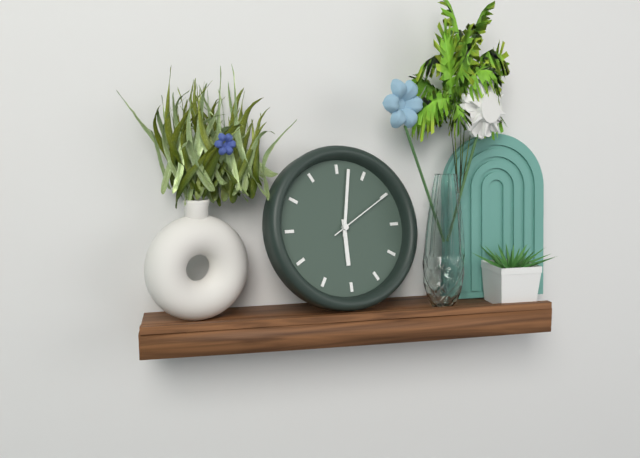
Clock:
6:02:10
